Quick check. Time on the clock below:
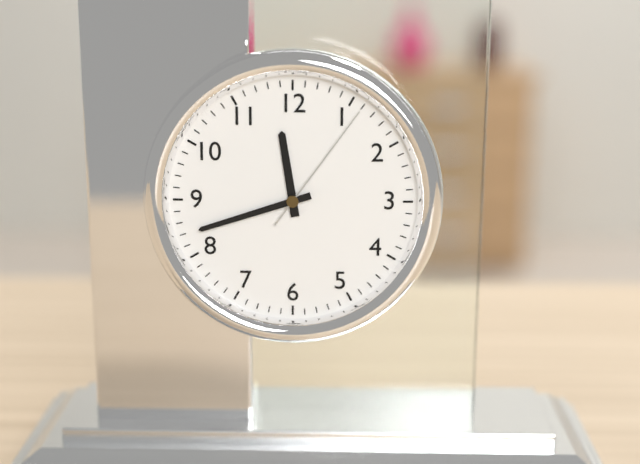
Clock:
11:42:06
